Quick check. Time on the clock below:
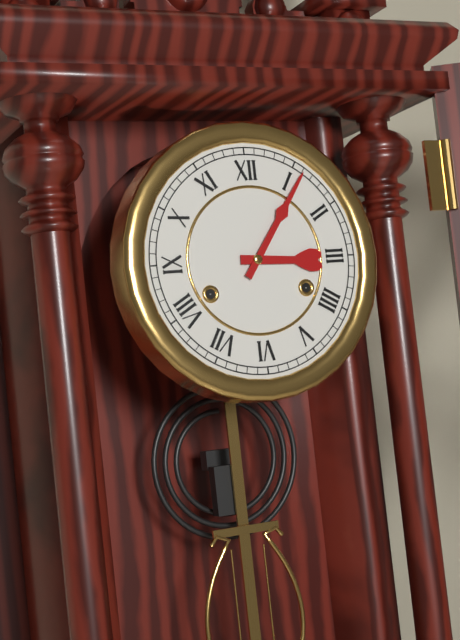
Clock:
3:06
